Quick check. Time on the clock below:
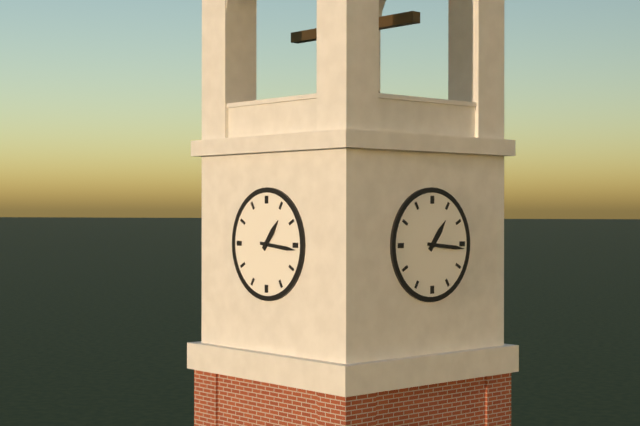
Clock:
1:16
